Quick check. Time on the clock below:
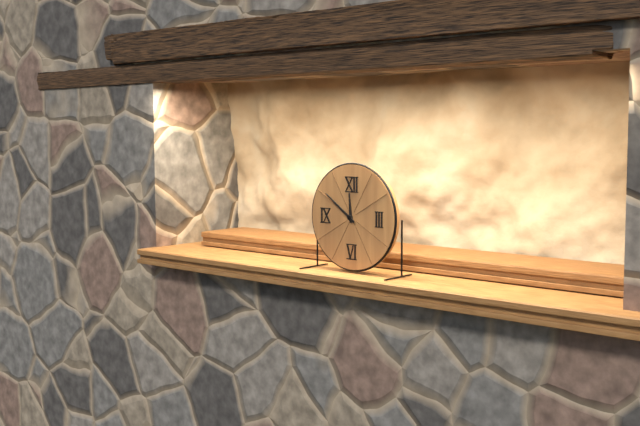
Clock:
11:51
